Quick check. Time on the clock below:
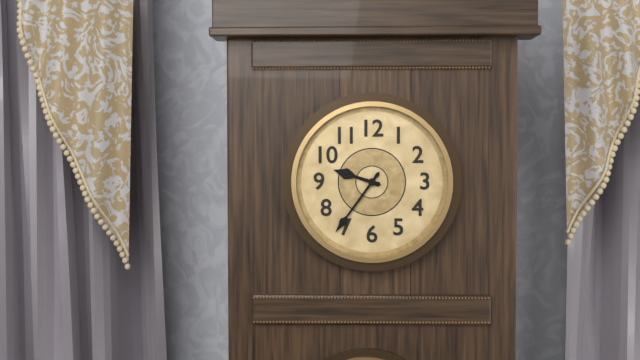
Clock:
9:36
